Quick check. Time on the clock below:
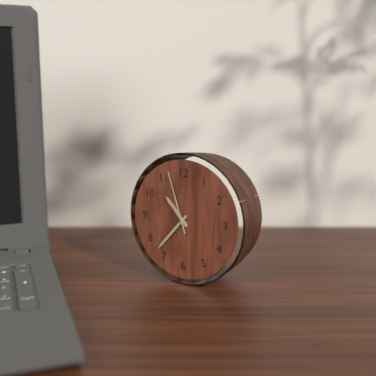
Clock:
10:37:57
